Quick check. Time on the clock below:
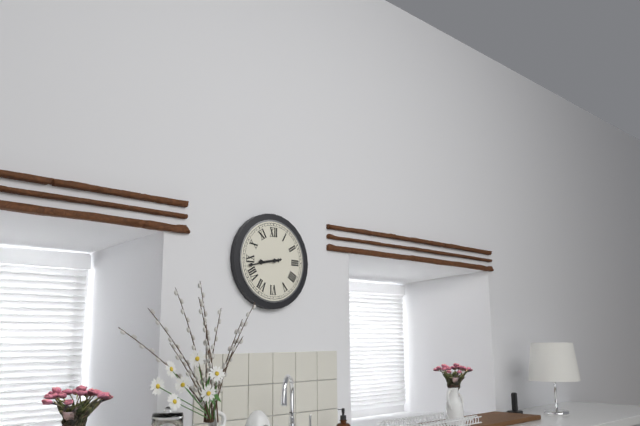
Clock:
8:43
